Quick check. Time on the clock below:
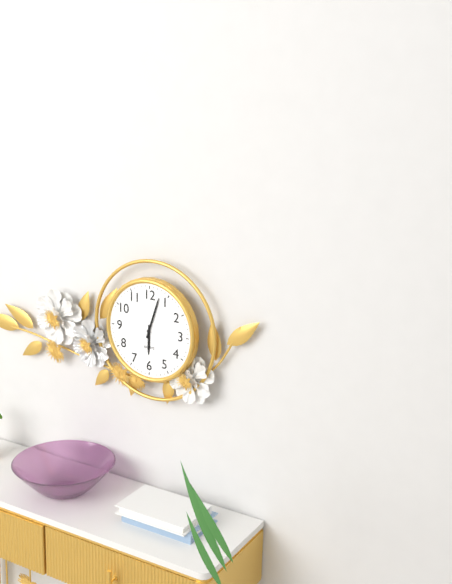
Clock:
6:03
